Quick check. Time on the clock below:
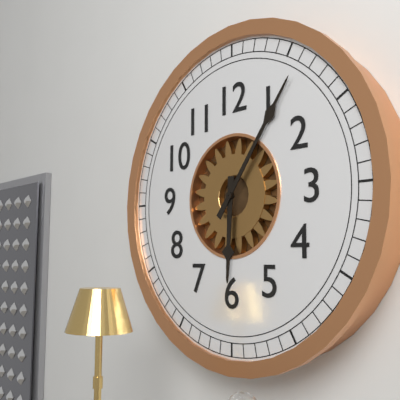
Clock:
6:06
